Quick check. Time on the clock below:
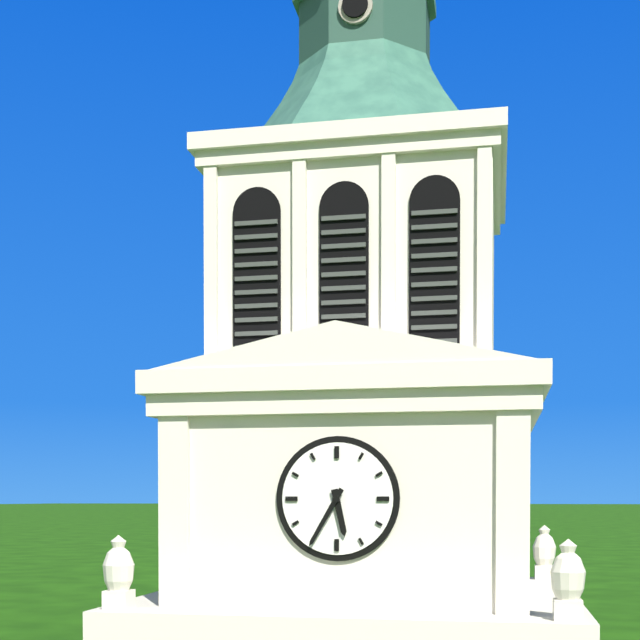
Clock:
5:35
